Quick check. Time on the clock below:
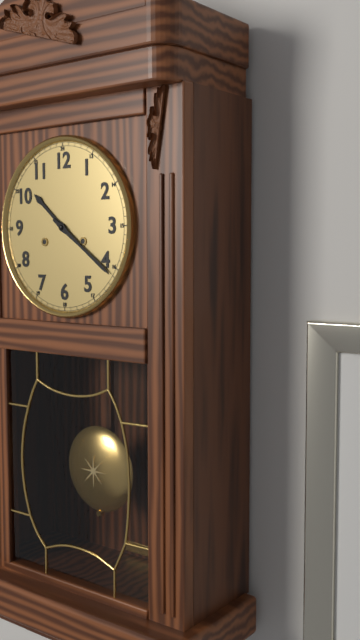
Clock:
10:21
